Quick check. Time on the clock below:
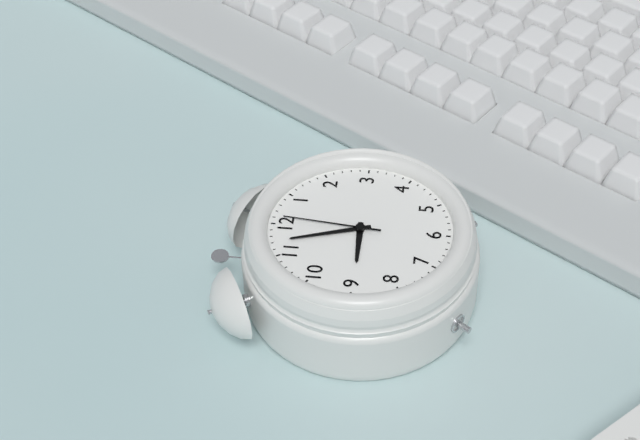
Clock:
8:57:01
